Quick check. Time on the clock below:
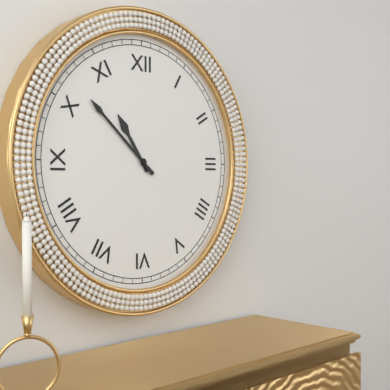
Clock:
10:52
